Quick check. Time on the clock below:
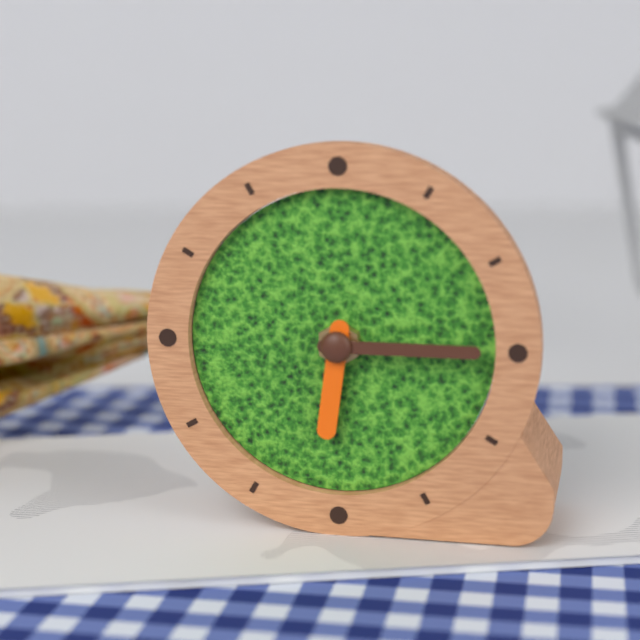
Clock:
6:15
